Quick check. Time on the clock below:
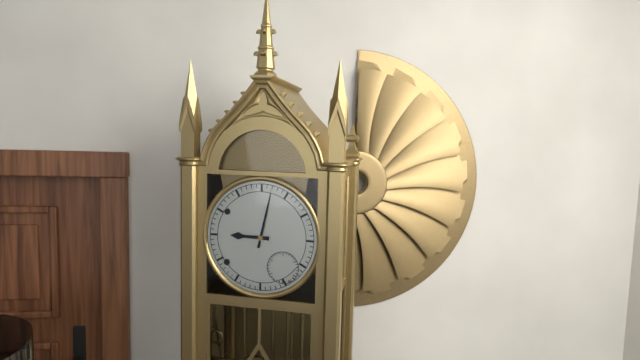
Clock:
9:02
